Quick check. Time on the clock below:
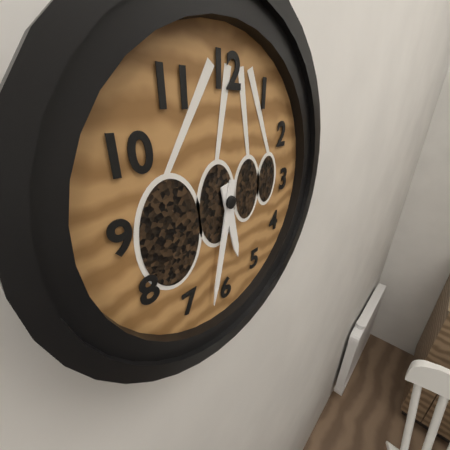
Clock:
5:32
